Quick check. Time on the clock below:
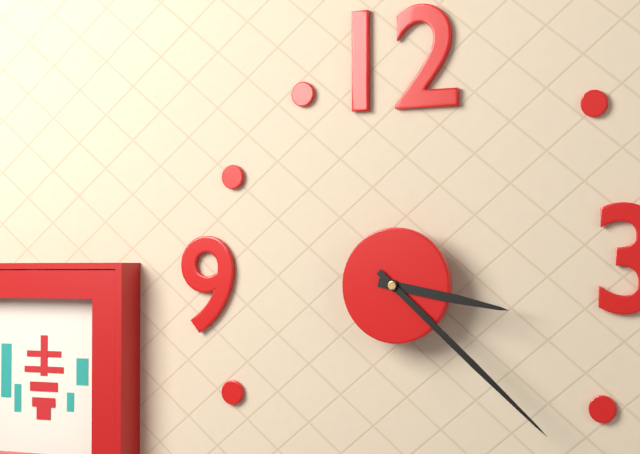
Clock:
3:22
